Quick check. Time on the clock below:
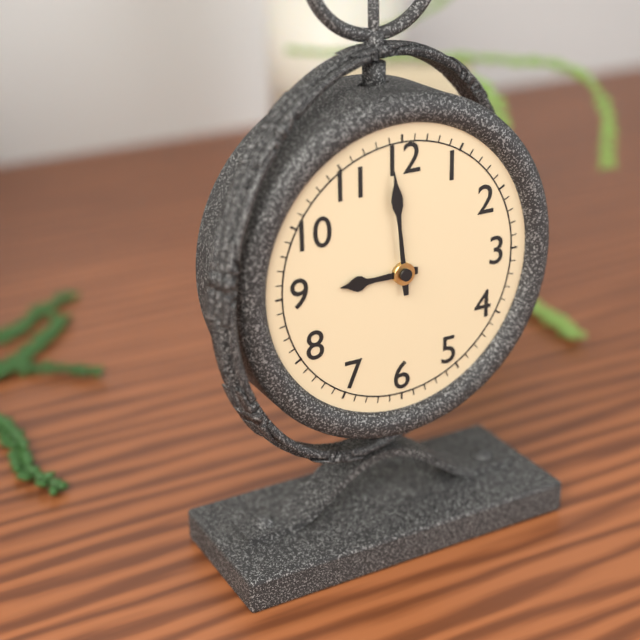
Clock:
8:59
